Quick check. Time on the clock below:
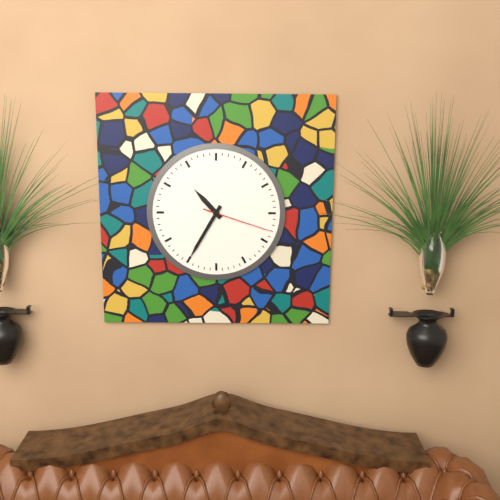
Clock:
10:35:18
